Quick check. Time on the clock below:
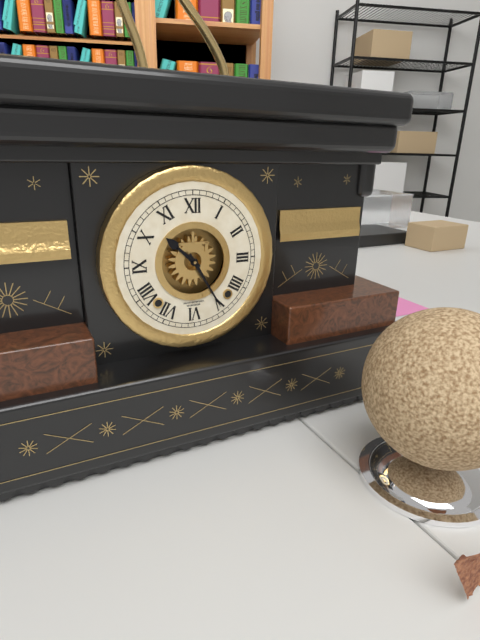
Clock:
10:25
